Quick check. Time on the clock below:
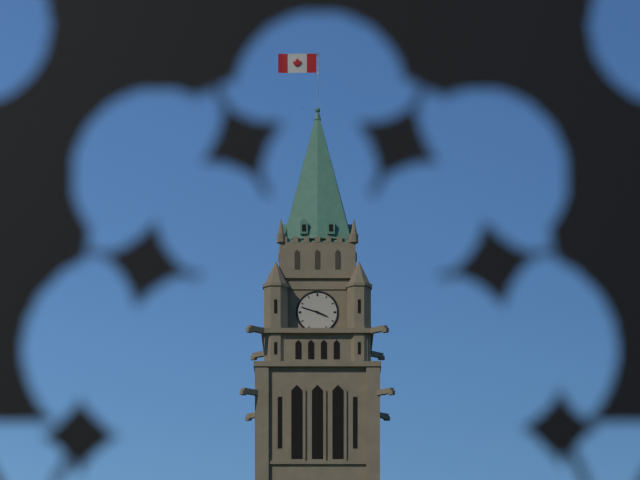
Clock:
3:48
